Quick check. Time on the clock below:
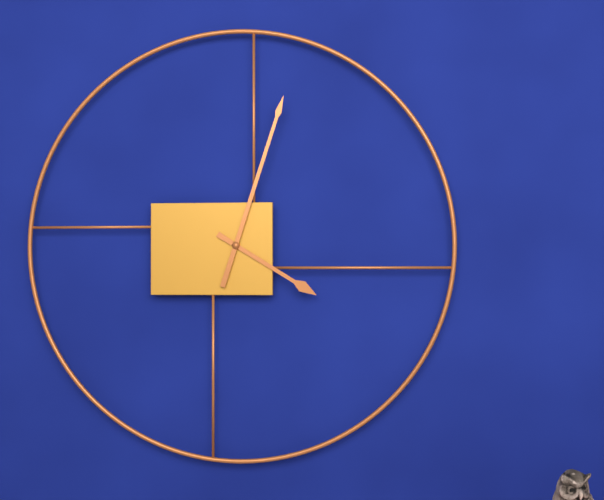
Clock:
4:03
